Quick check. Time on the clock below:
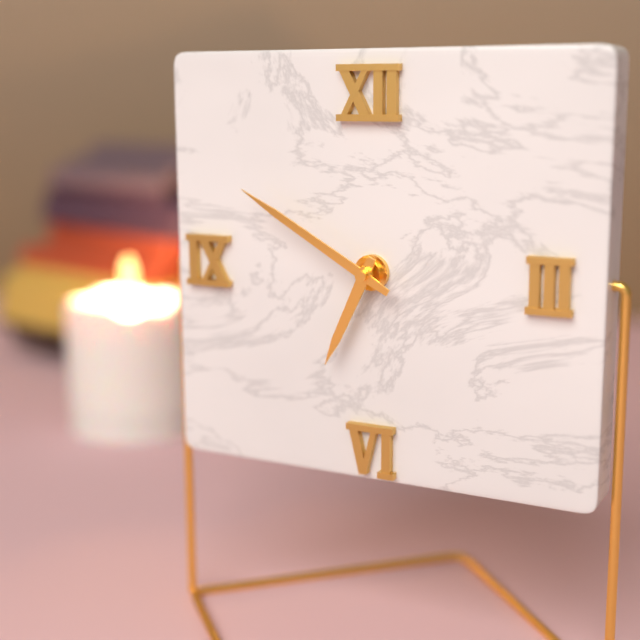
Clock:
6:50
